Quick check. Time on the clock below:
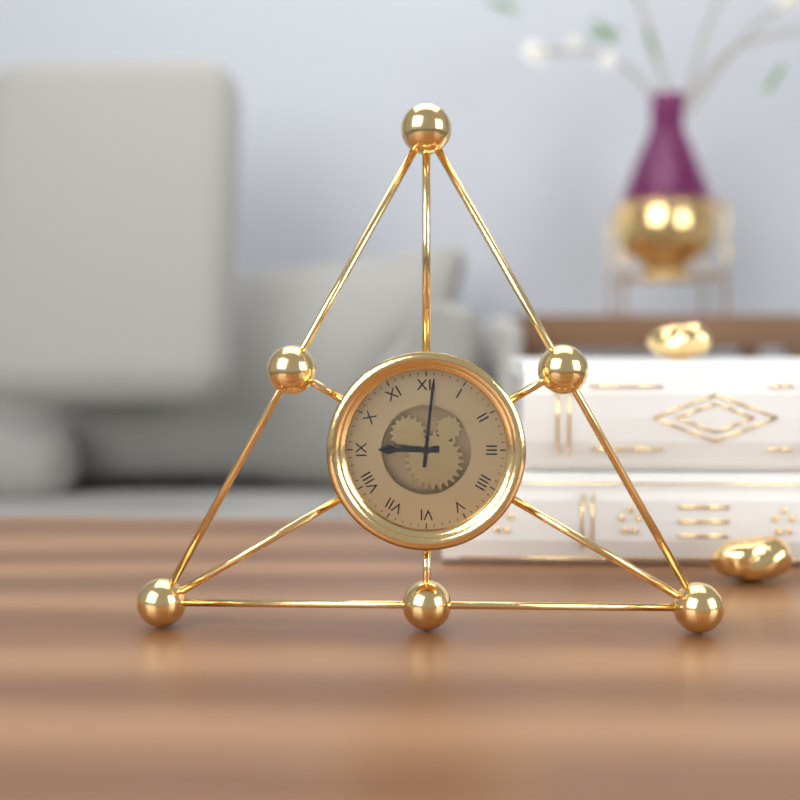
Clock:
9:01
